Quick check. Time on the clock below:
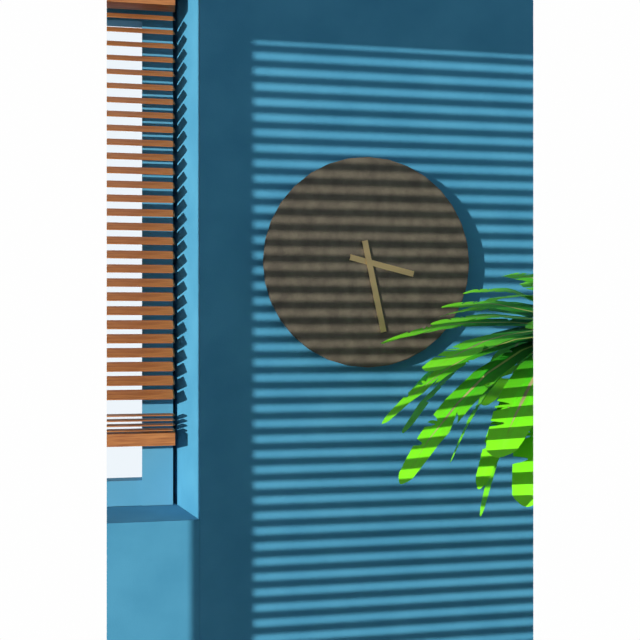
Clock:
3:28
